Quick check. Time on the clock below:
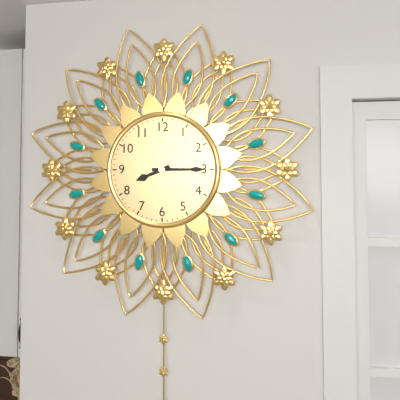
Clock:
8:15
